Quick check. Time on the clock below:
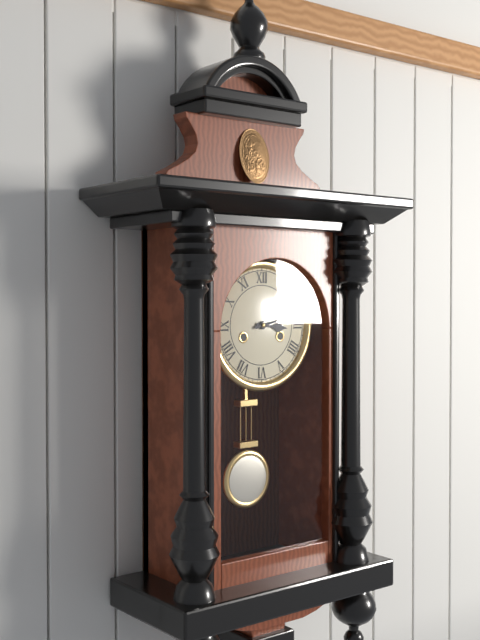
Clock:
3:13
